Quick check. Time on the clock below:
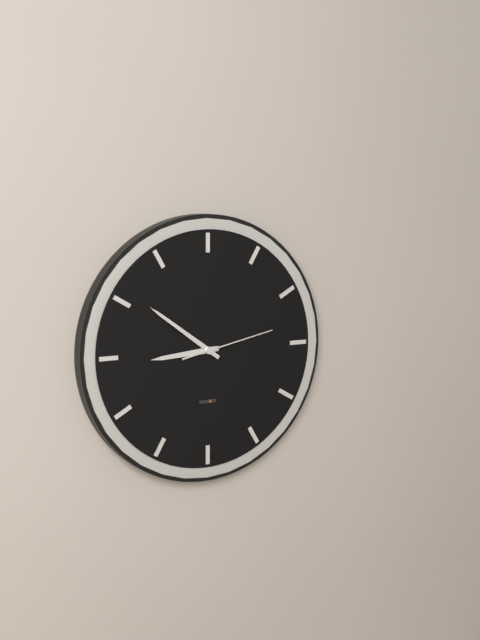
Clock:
8:51:13
